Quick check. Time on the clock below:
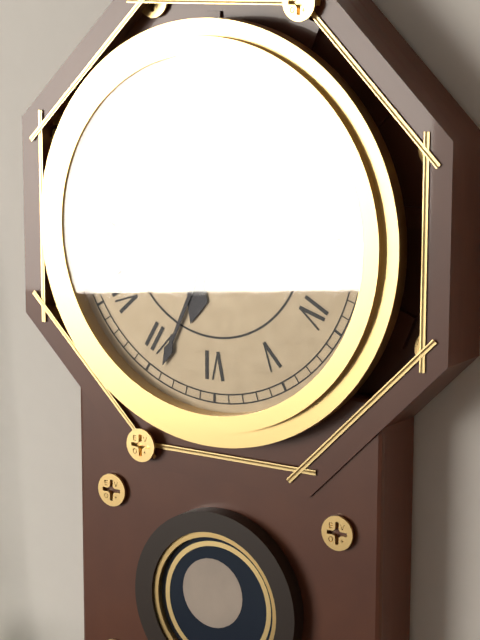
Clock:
6:34
